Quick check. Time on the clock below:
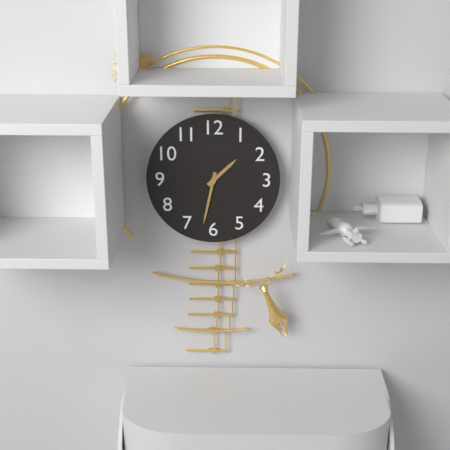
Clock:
1:32
